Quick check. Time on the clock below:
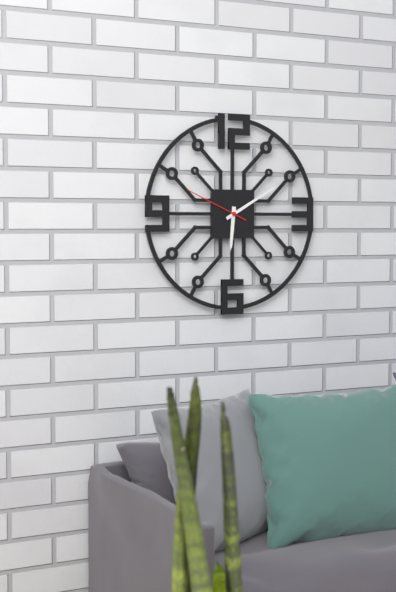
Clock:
6:10:49
